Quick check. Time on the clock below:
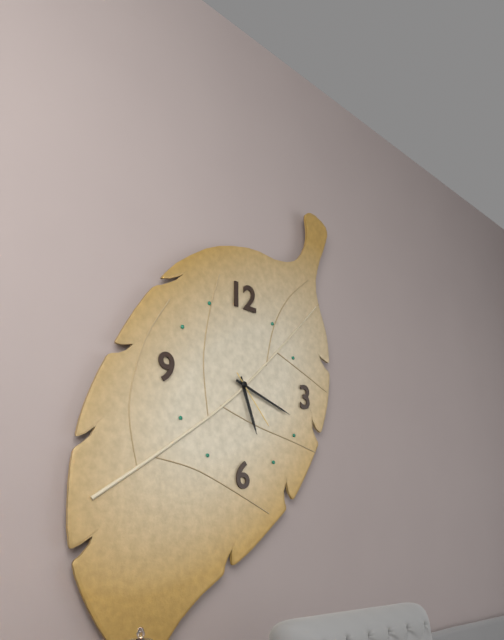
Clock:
5:18:23
